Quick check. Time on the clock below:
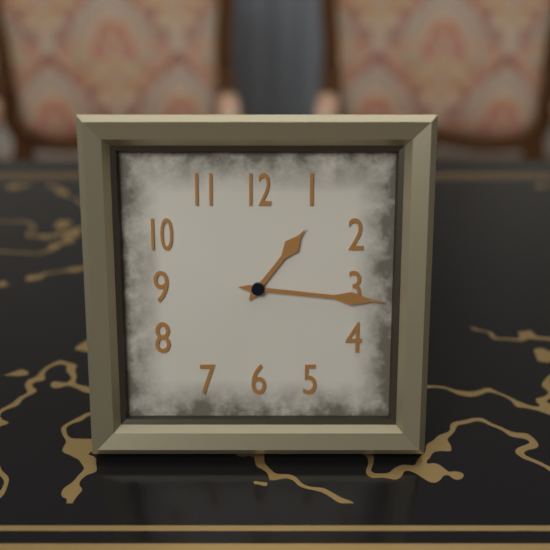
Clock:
1:16
